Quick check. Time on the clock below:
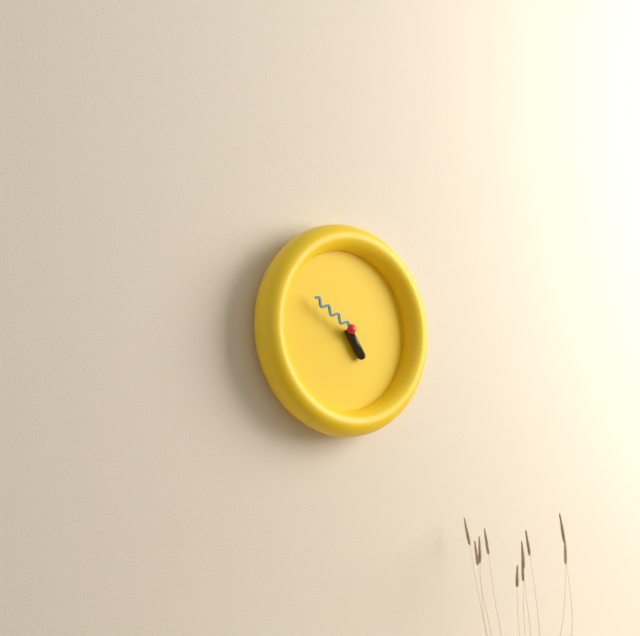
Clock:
4:50
